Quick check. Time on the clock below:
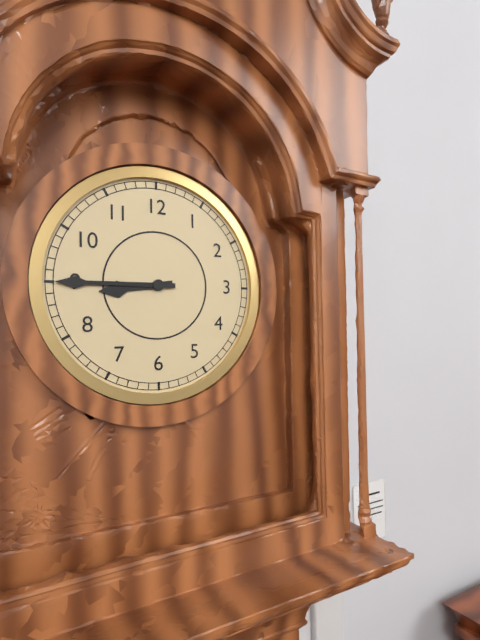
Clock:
8:45
